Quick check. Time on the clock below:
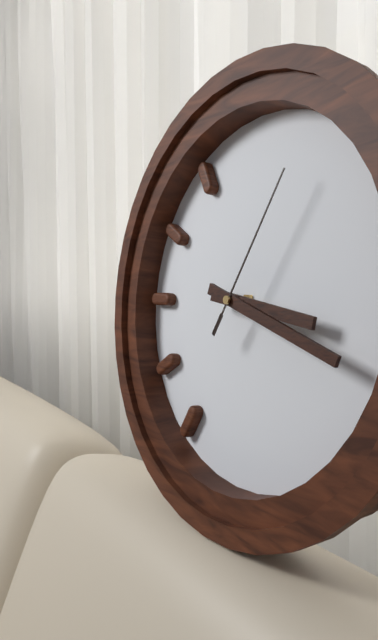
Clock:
3:18:05
